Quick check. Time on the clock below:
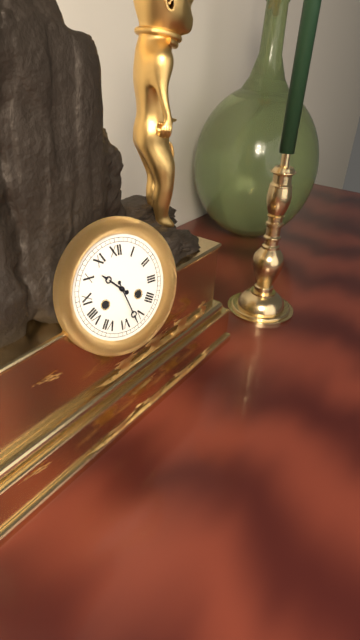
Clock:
10:27
